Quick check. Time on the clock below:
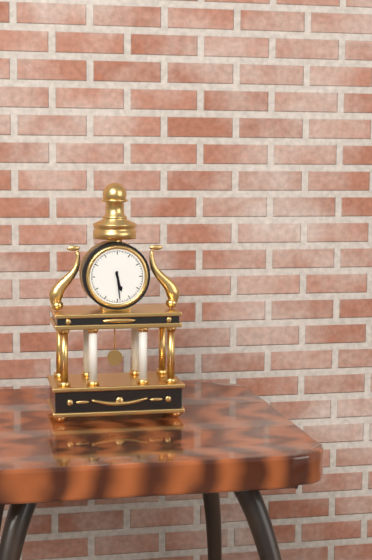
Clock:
5:29
